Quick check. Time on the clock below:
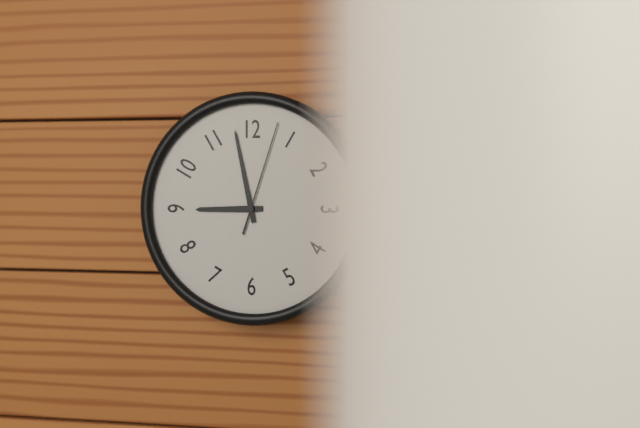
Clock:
8:58:03
